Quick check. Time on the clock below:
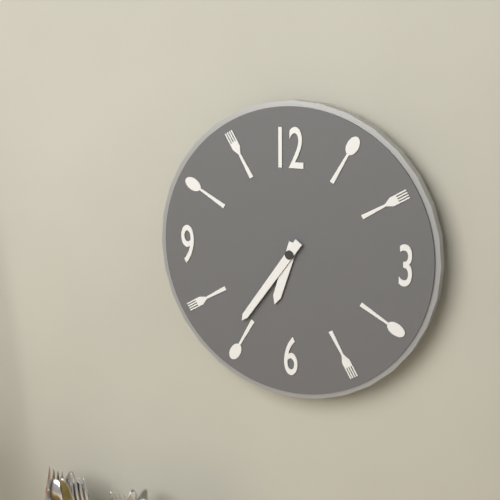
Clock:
6:36
